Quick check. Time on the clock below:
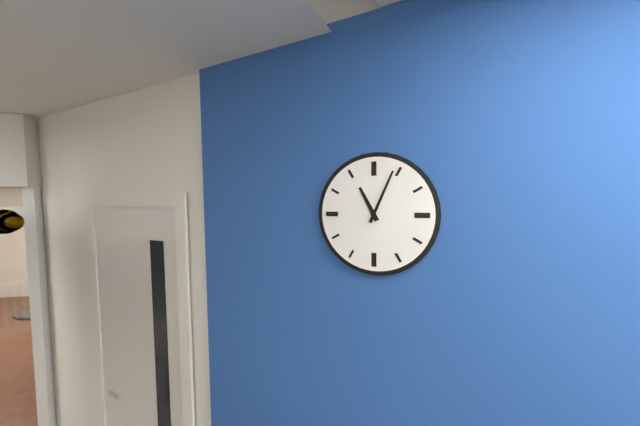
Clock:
11:04
